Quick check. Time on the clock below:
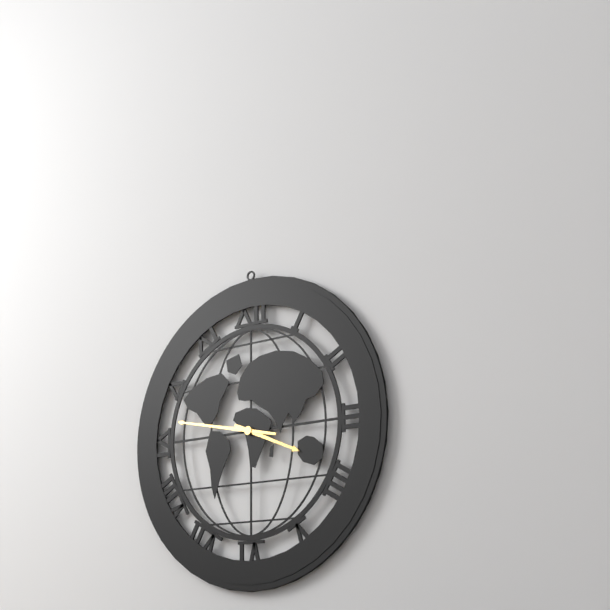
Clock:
3:47
